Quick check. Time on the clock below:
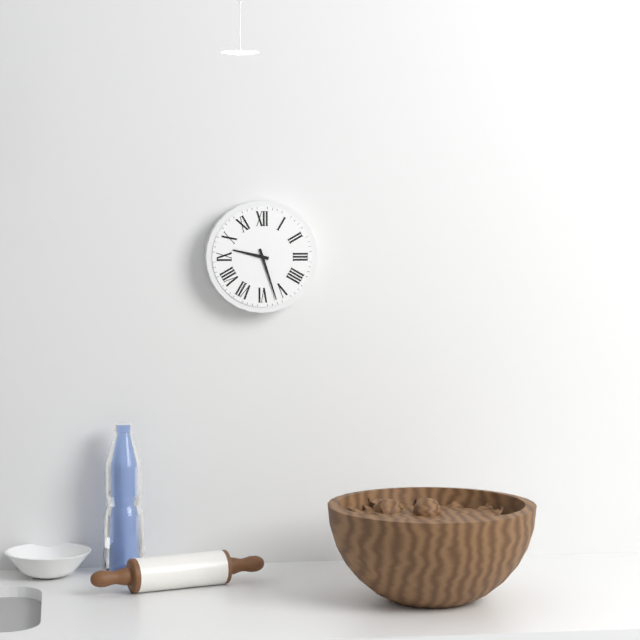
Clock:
9:27
